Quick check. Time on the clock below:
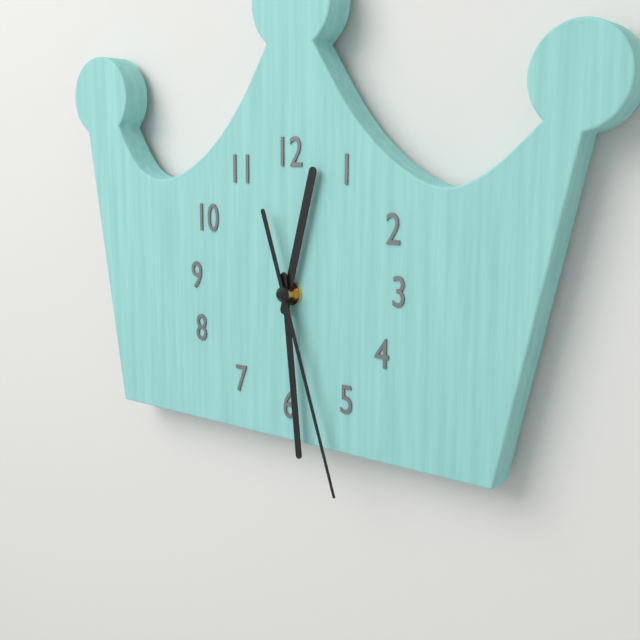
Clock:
12:29:27
